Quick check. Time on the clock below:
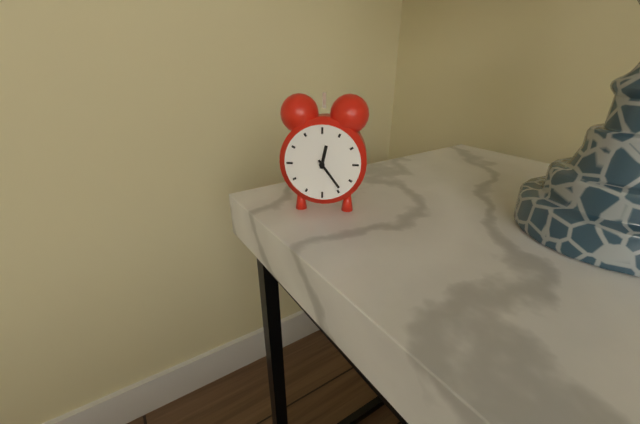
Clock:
12:24
